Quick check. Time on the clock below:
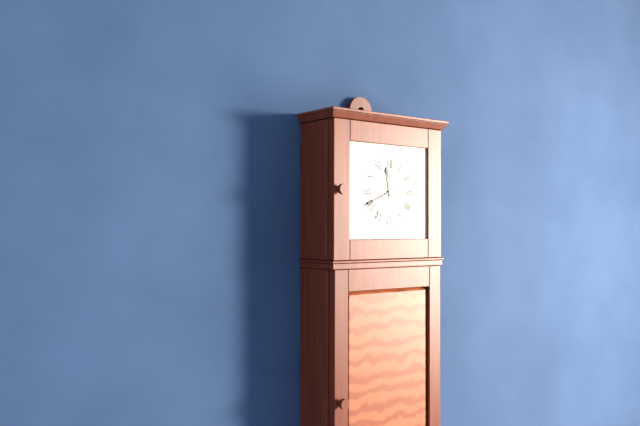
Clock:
11:41
